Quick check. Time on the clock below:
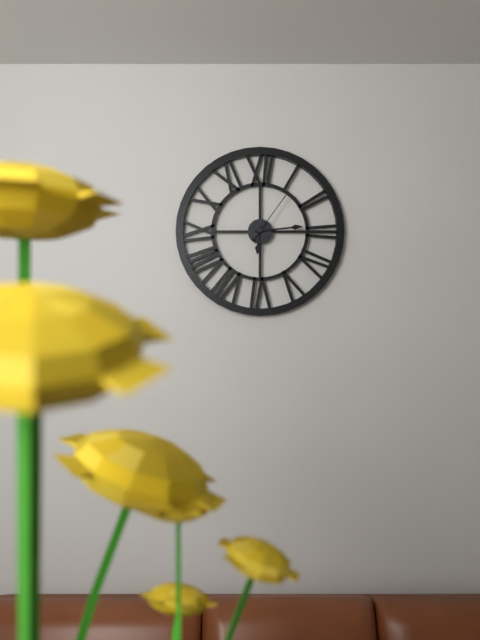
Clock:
6:14:06
